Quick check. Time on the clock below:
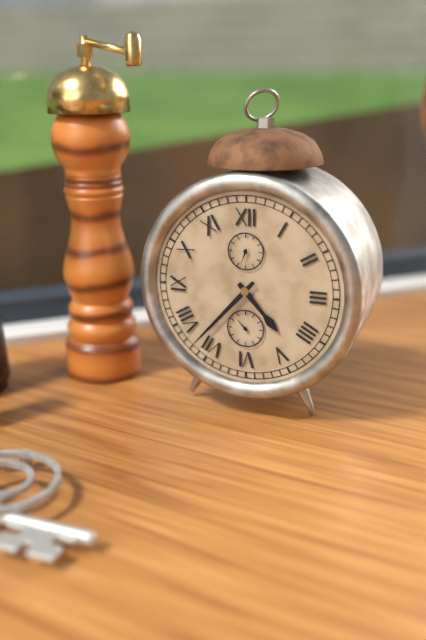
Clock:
4:37
